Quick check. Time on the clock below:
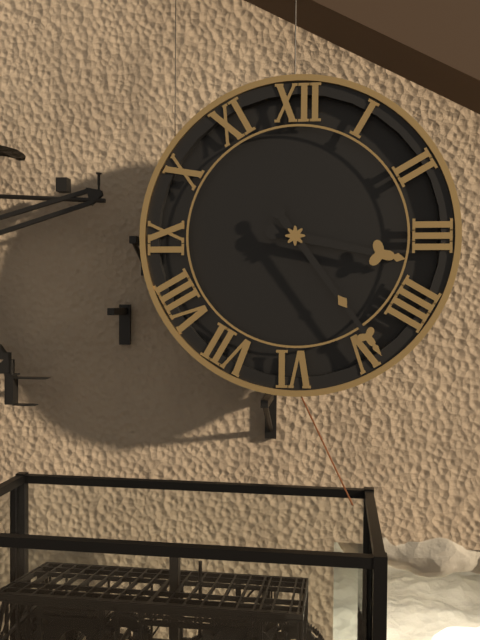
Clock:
3:24
